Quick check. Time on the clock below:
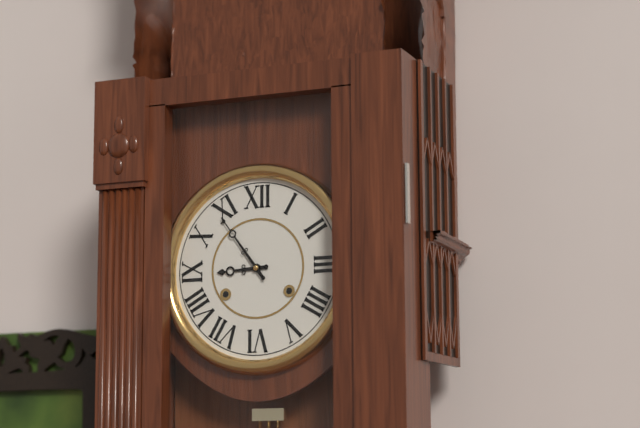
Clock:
8:54
